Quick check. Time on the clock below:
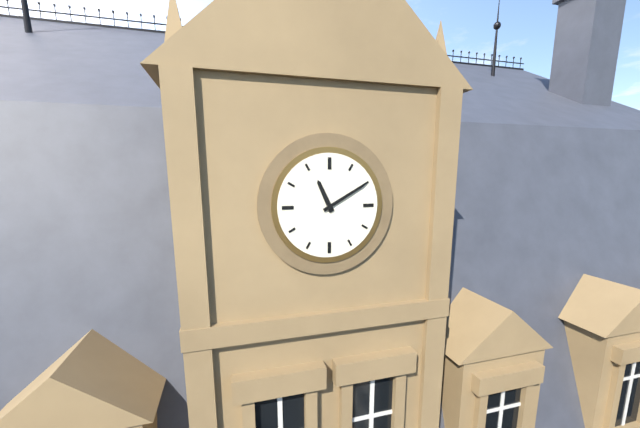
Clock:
11:10
